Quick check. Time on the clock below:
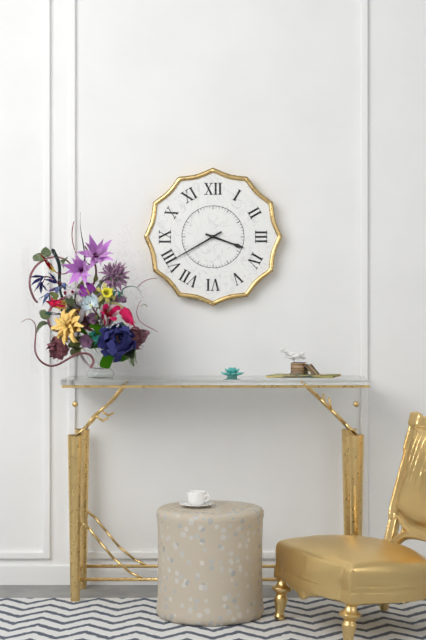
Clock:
3:40
